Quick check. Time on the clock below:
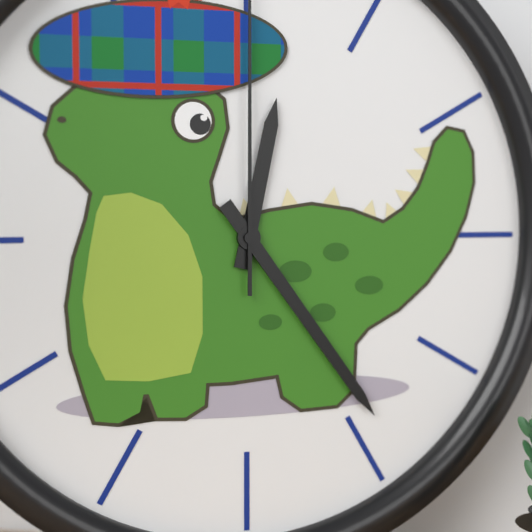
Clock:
12:24
